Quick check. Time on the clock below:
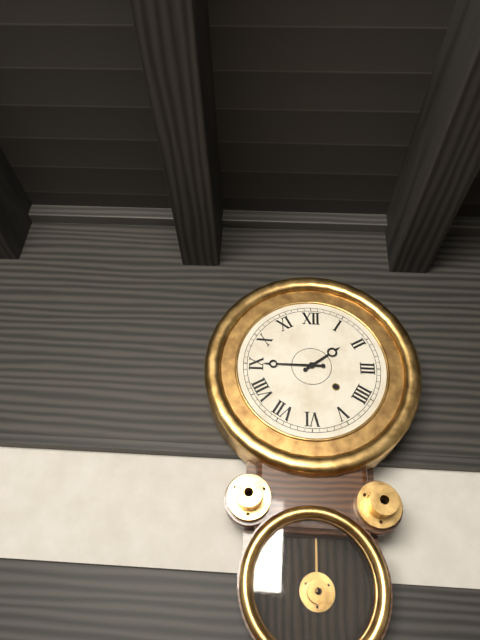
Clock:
1:45
